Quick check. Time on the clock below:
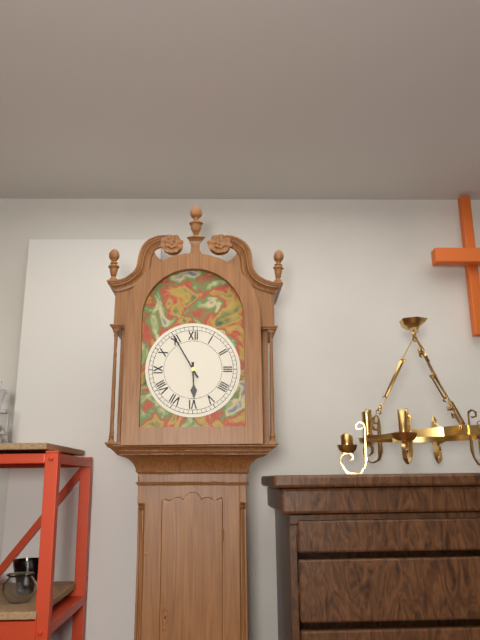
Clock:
5:55
